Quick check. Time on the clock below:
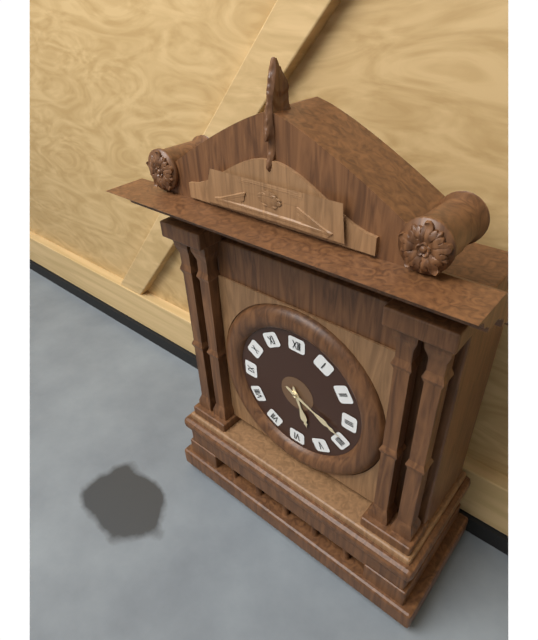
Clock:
5:19
